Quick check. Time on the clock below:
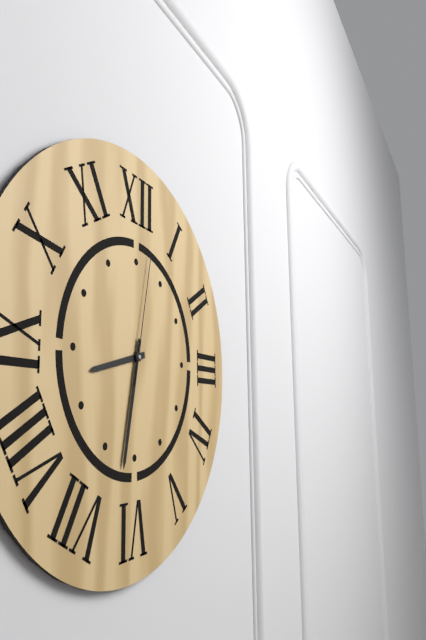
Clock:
8:32:02
